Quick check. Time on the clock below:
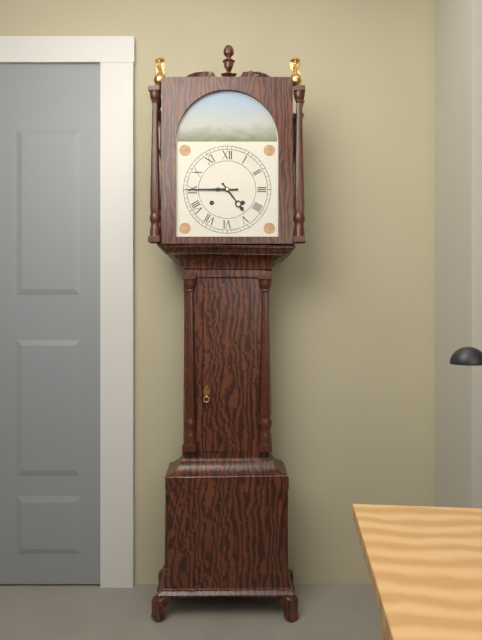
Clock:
4:45
